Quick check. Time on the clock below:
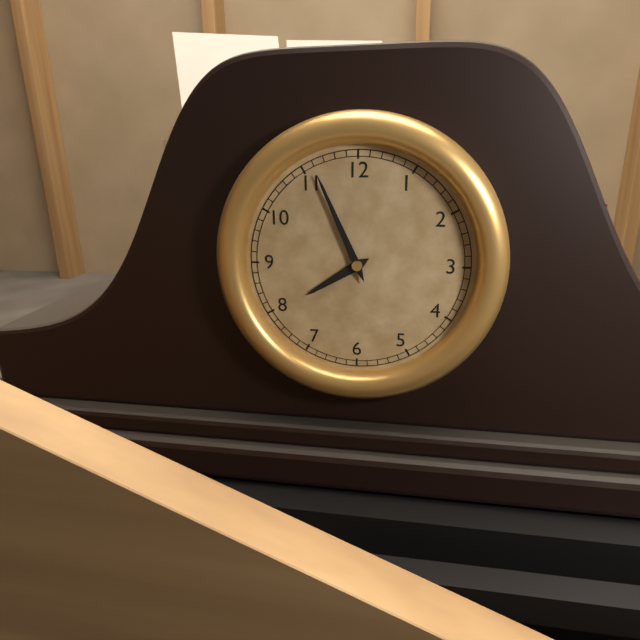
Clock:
7:56
